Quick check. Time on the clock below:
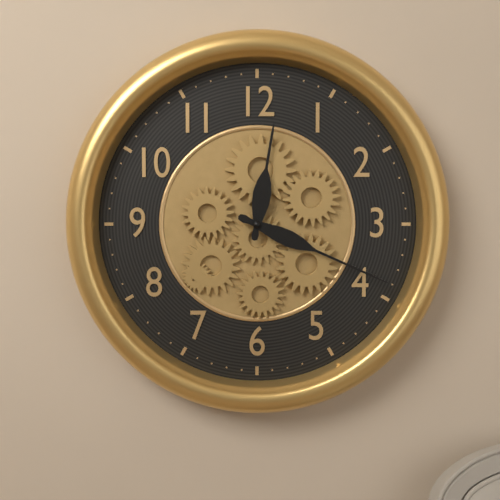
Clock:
12:19
